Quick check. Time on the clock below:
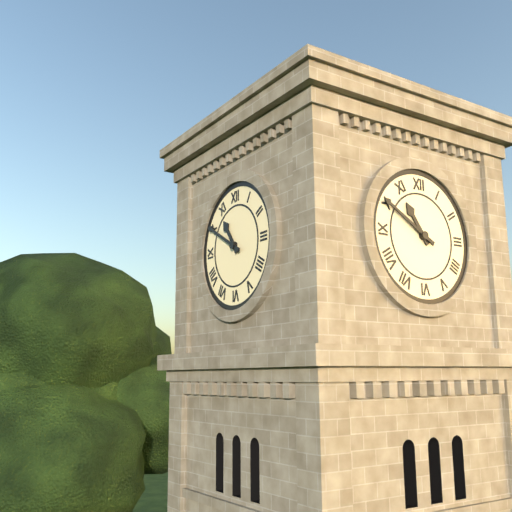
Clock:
10:50
